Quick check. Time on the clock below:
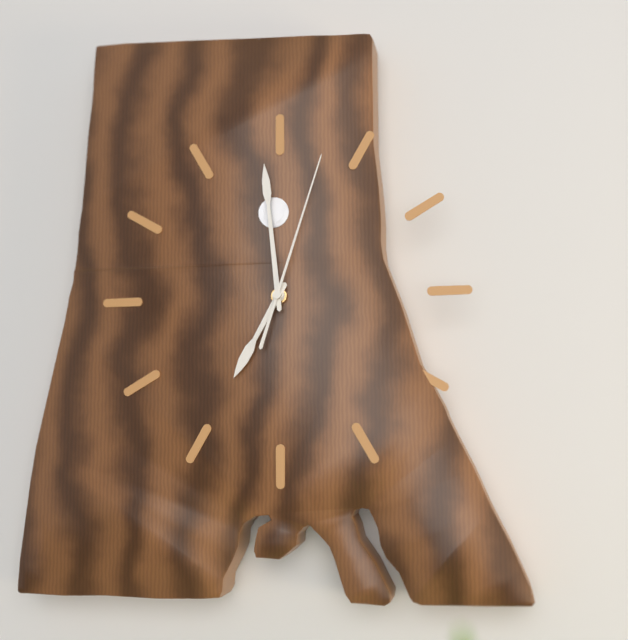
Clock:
6:59:03
